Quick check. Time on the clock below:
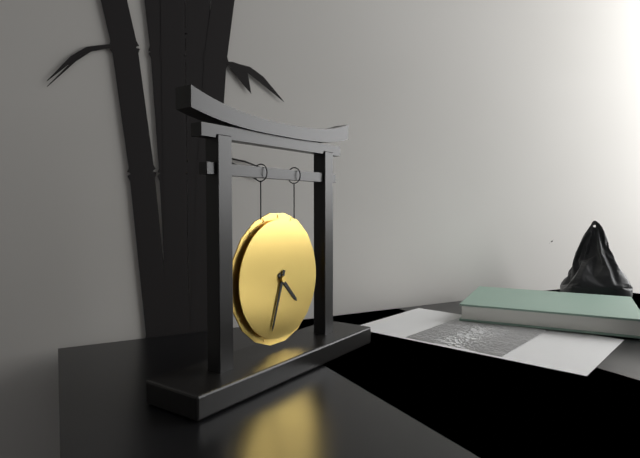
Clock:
4:33
